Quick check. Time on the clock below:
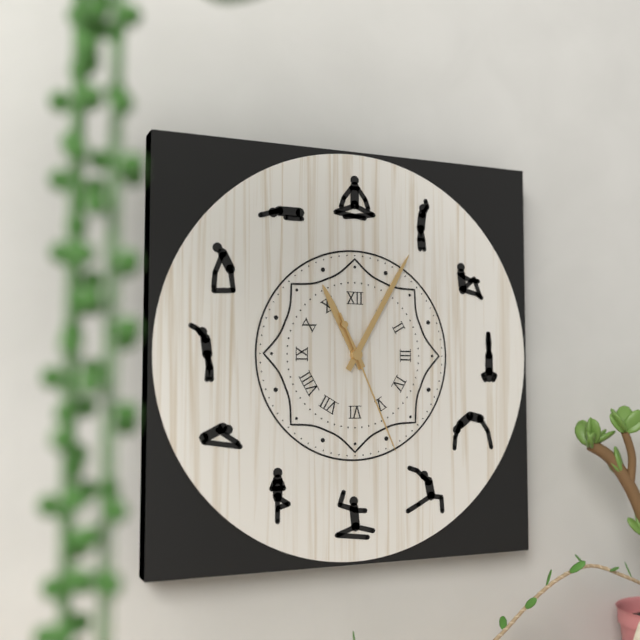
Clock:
11:05:26
